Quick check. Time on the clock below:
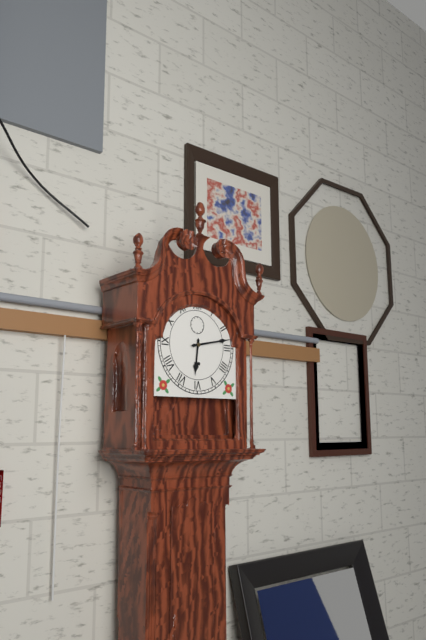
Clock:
6:13
